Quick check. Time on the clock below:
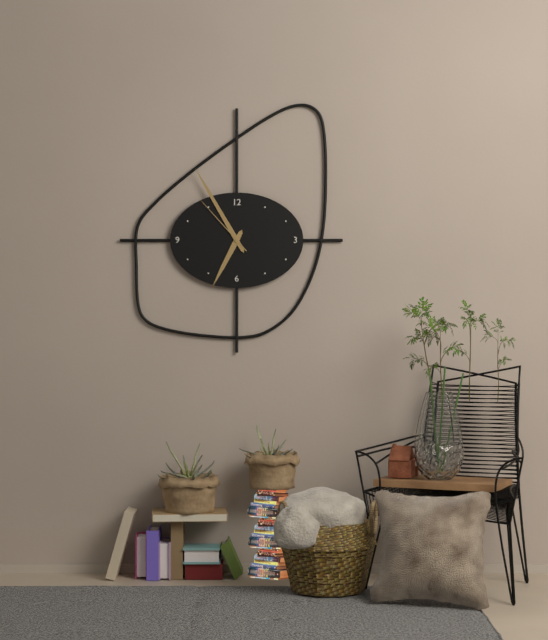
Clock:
6:55:53
